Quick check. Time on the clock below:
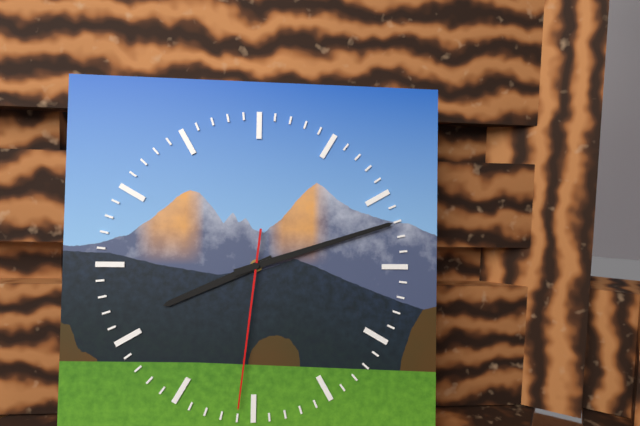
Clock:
8:12:31
